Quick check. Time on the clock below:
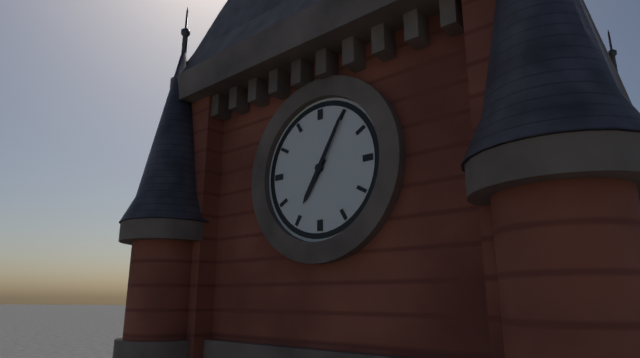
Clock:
7:05
